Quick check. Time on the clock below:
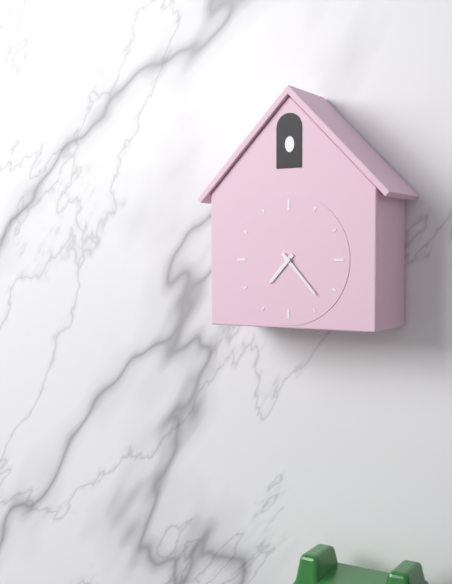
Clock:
7:23
